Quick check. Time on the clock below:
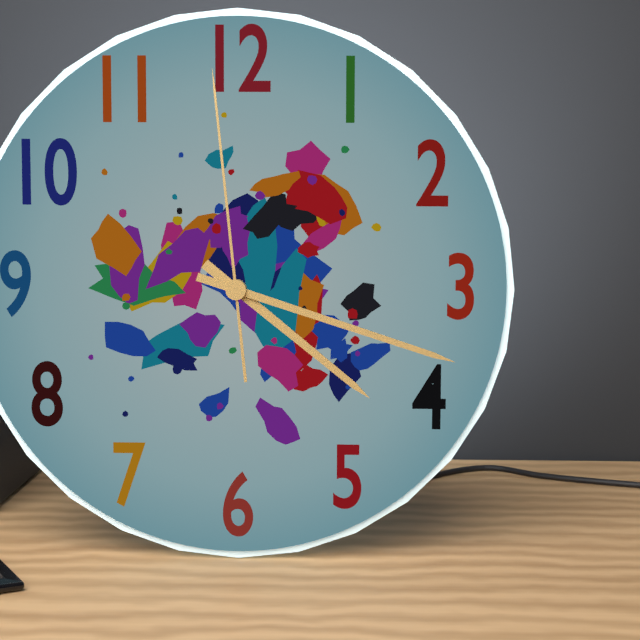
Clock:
4:18:59
